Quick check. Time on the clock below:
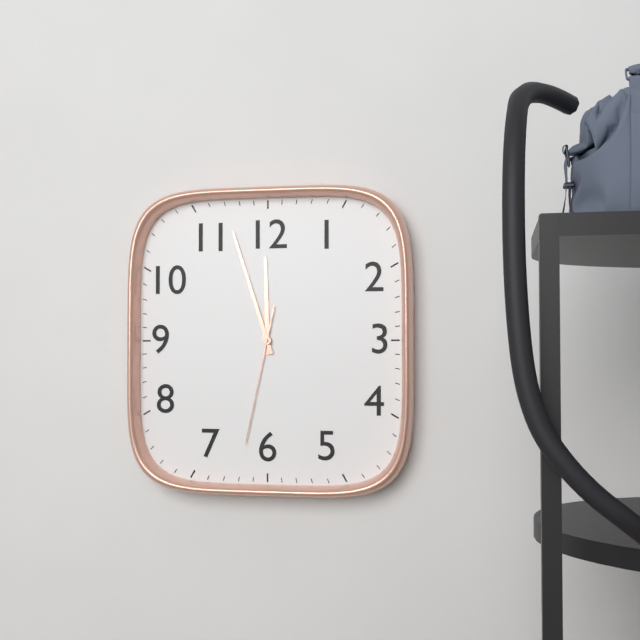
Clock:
11:57:32
